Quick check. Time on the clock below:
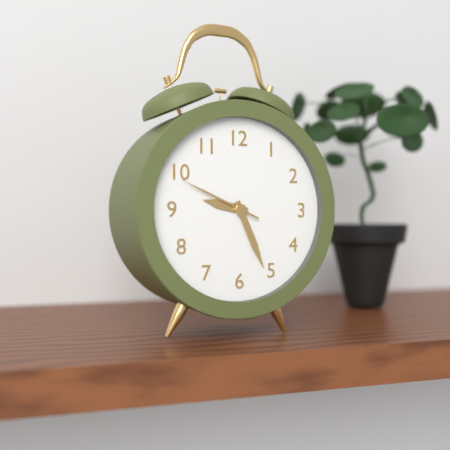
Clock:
9:26:49
